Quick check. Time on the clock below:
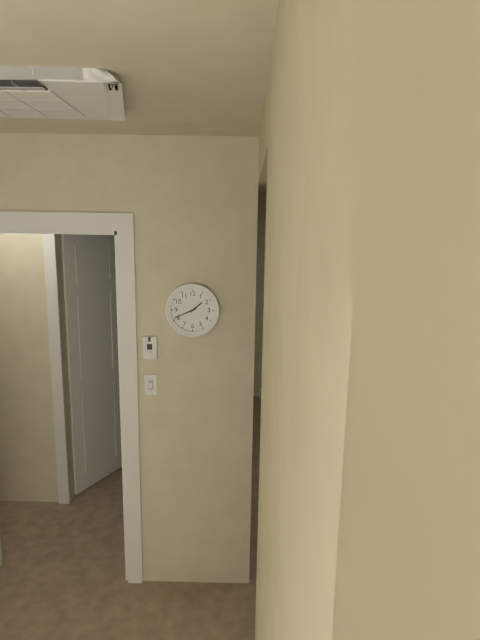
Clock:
1:41
